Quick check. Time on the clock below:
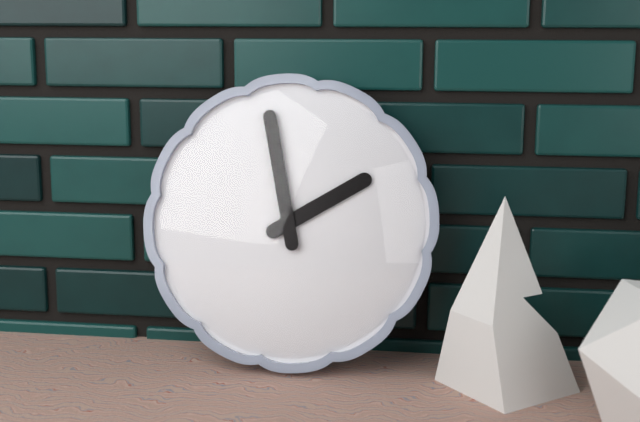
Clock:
1:58
